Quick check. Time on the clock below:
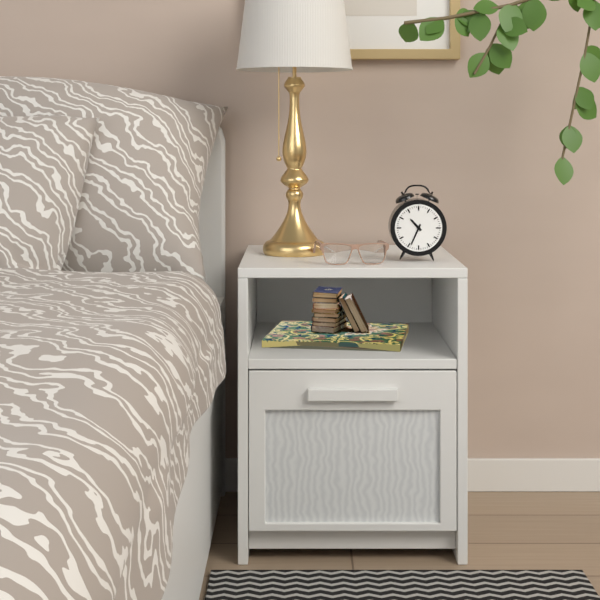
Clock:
10:34
